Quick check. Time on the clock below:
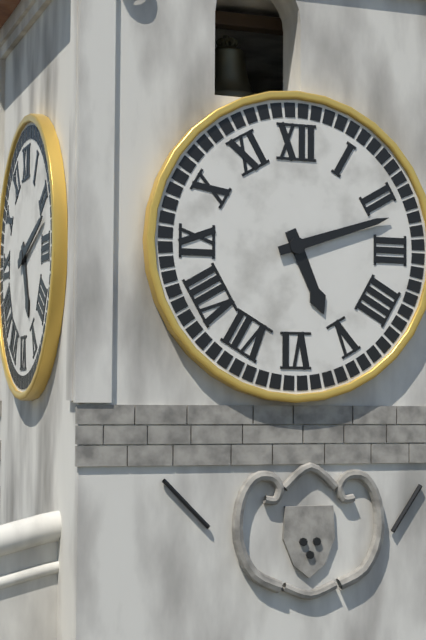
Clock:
5:12
